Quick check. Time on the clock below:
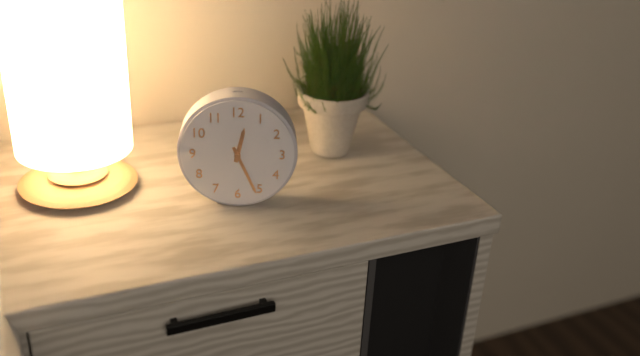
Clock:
12:26
